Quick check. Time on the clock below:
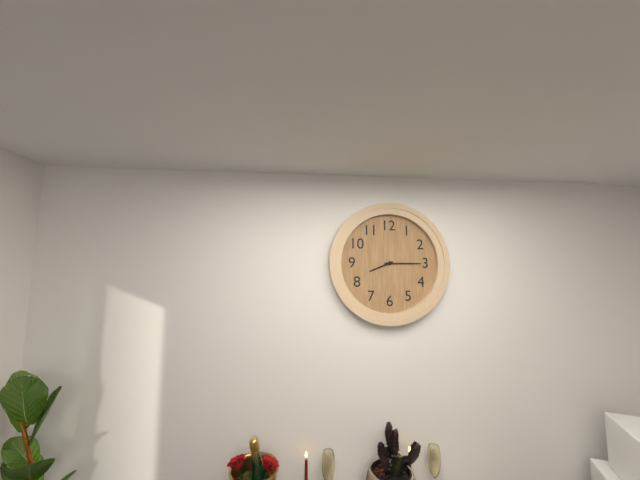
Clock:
8:15
